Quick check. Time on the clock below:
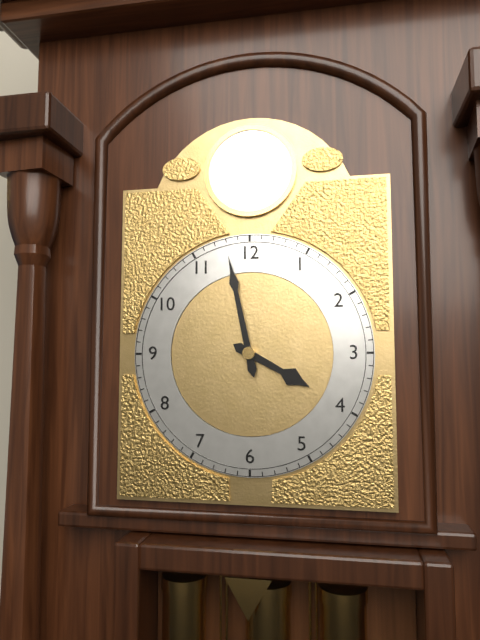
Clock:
3:58
